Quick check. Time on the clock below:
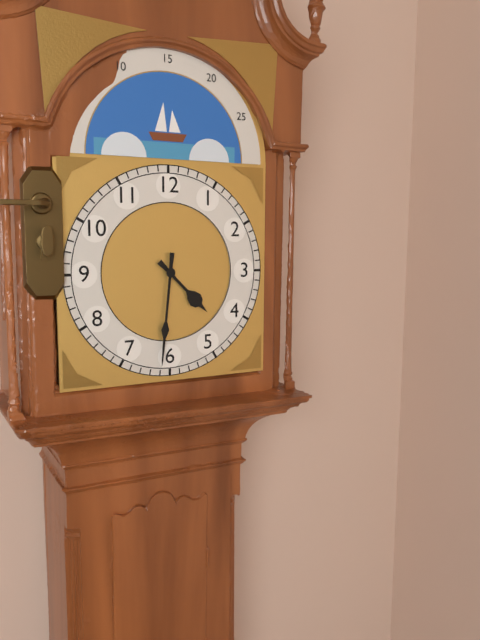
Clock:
4:31
